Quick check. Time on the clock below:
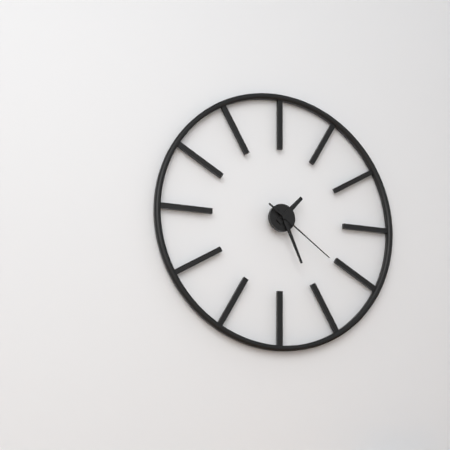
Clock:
1:26:21
